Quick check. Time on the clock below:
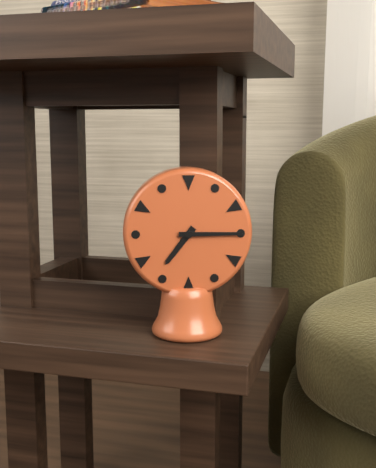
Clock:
7:15
